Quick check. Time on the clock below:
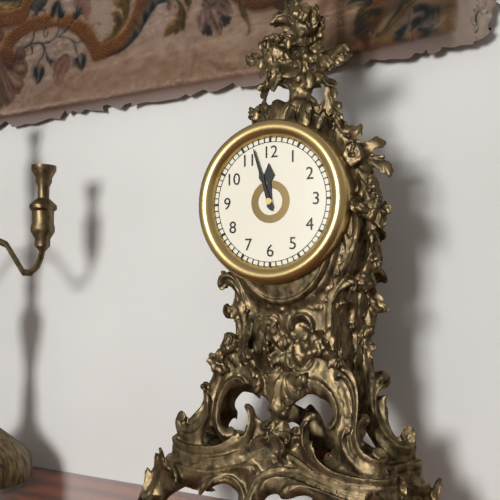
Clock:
11:57
